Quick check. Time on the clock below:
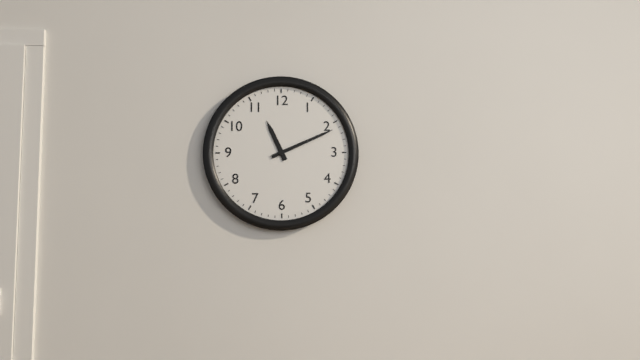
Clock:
11:11
